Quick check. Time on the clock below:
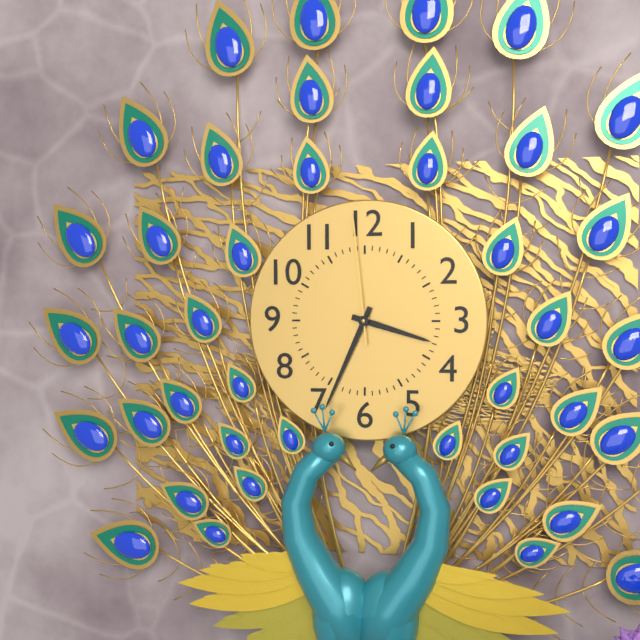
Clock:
3:34:59
